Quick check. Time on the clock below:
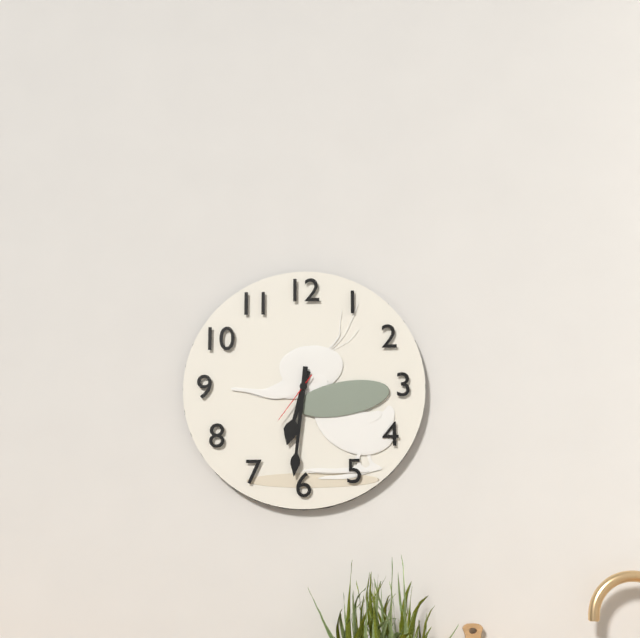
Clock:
6:31:36
